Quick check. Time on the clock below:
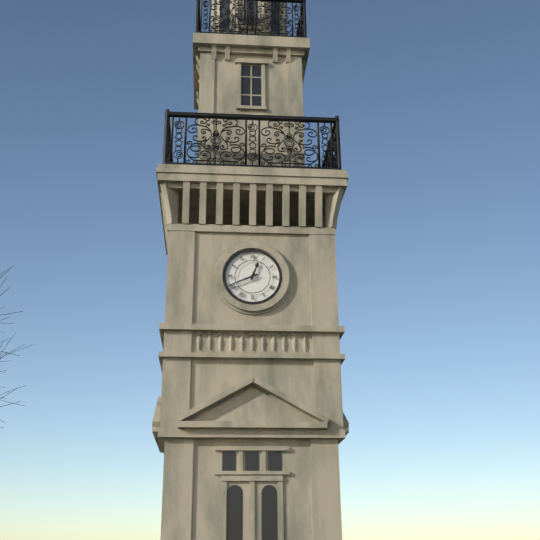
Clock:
12:41
